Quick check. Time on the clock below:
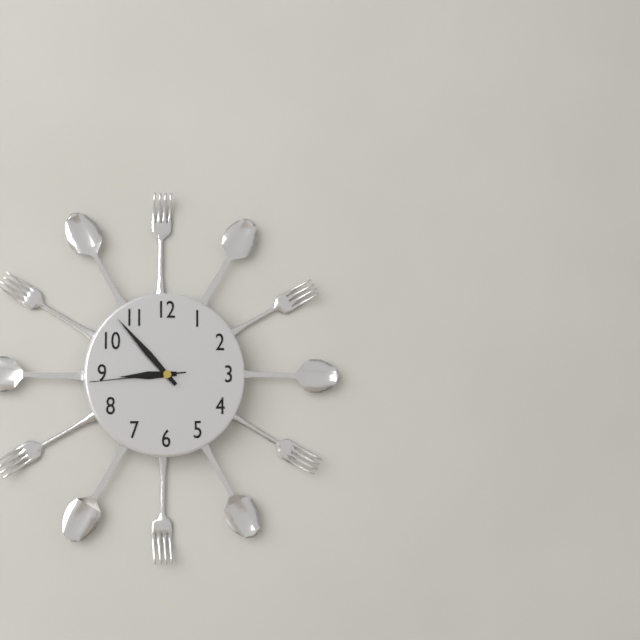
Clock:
8:53:44
